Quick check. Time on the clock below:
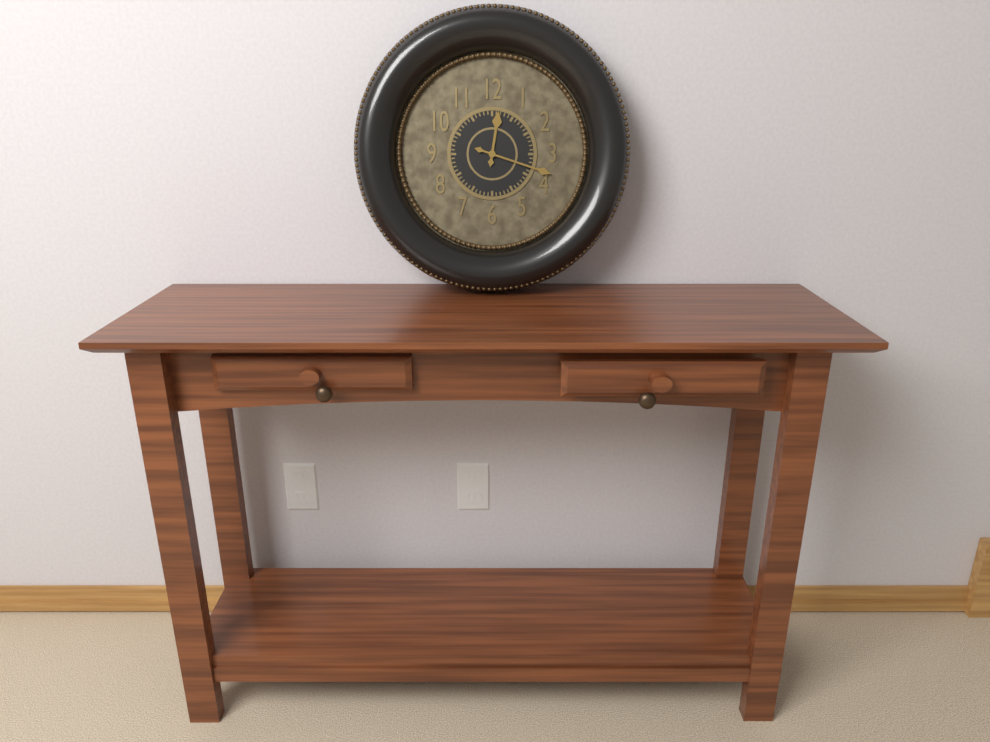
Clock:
12:18
